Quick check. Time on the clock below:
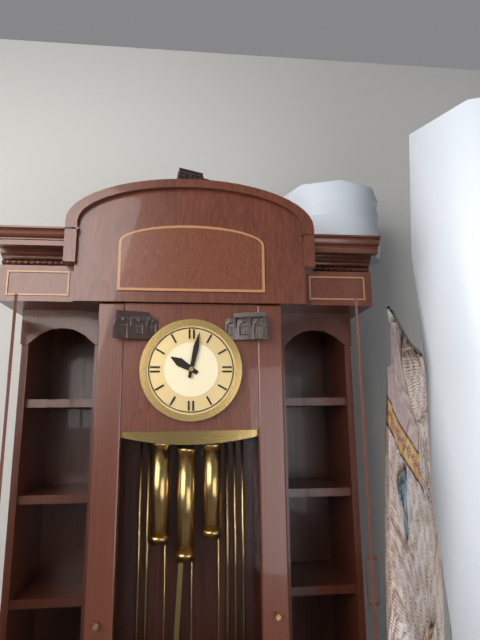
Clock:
10:02
